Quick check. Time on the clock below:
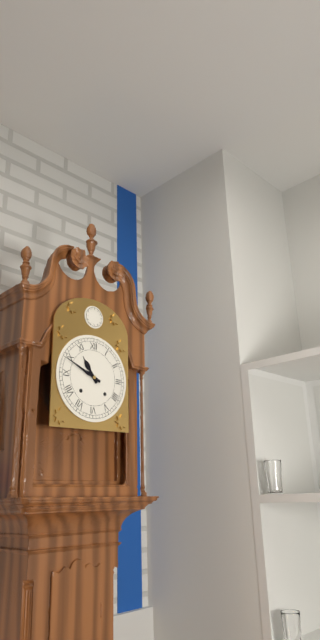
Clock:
10:49
